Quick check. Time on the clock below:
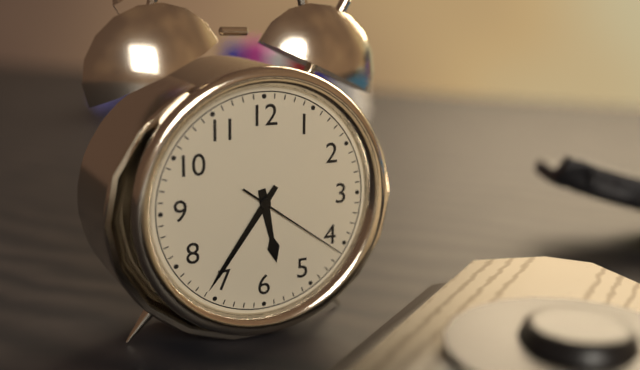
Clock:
5:36:21
